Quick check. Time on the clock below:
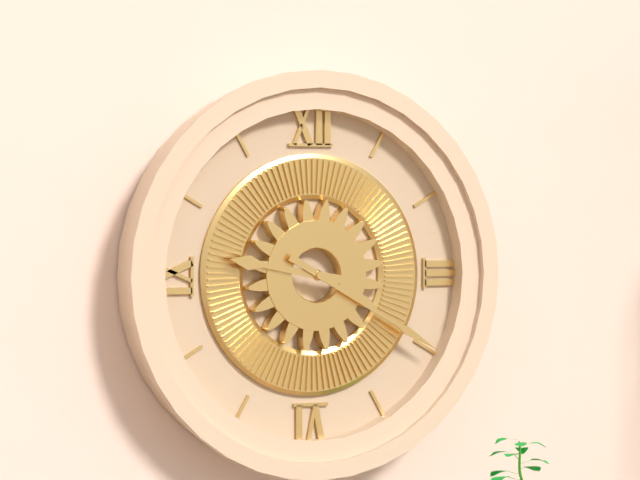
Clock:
9:20
